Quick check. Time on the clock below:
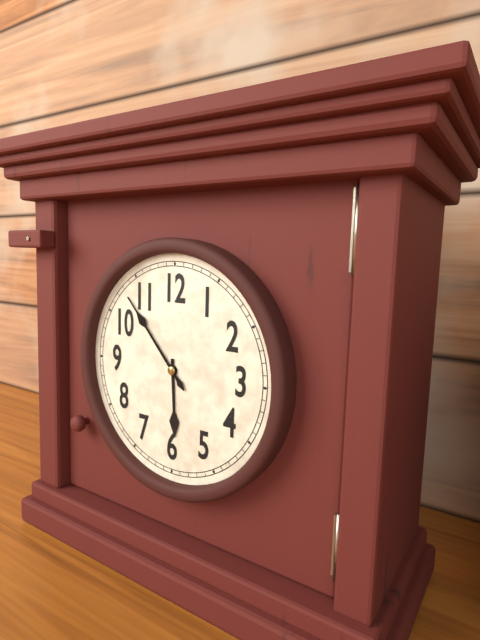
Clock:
5:53
